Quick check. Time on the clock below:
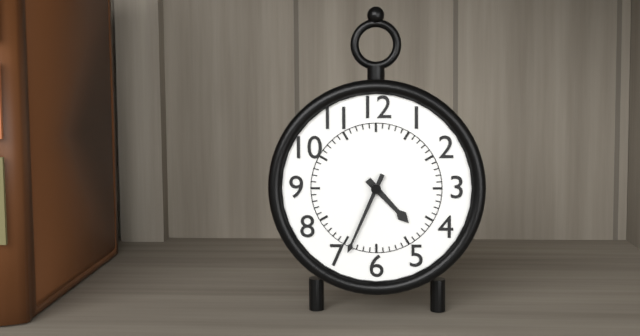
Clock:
4:34
